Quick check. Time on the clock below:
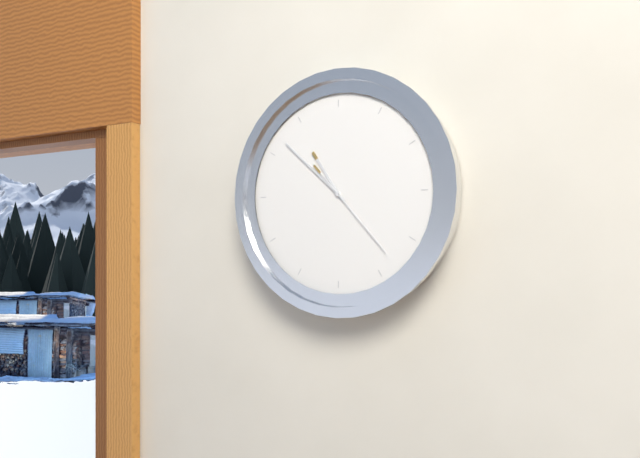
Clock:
10:52:23
